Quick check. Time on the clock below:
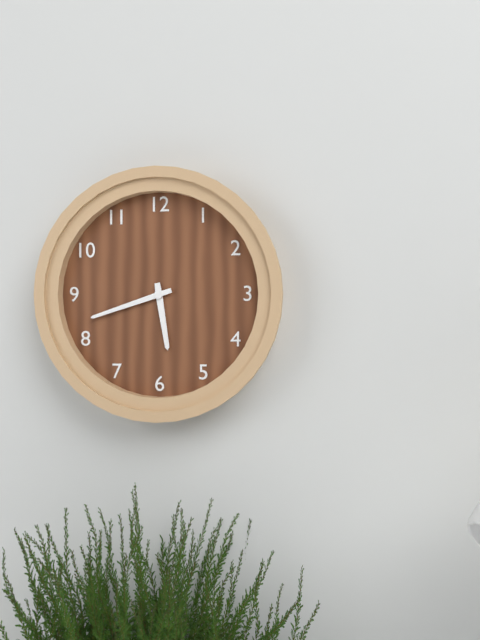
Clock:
5:42
